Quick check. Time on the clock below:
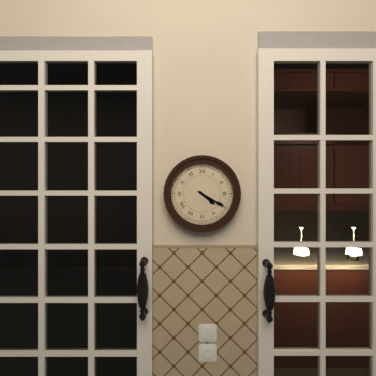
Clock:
4:20
